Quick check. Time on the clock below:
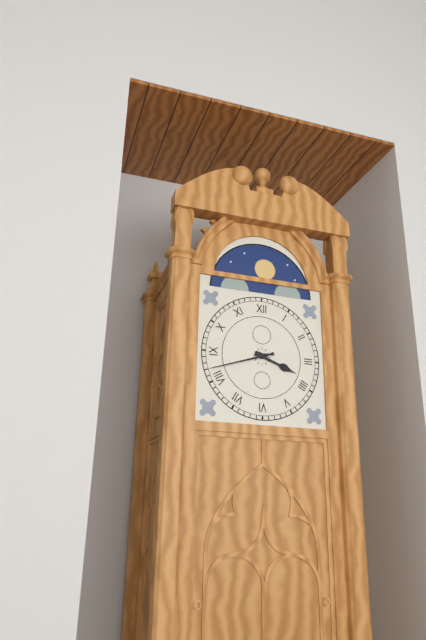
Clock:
3:42
